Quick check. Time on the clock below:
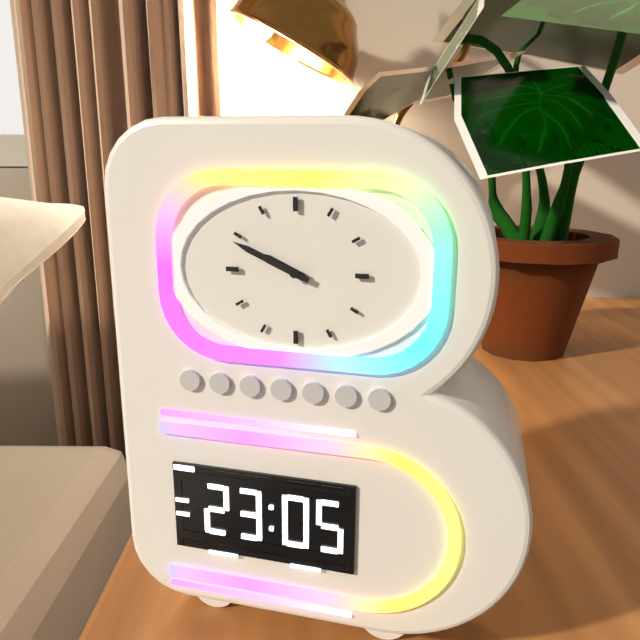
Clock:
9:49
